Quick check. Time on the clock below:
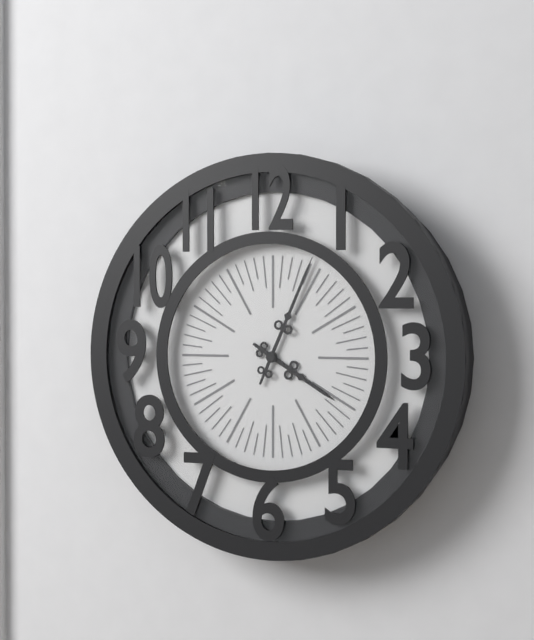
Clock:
4:04
